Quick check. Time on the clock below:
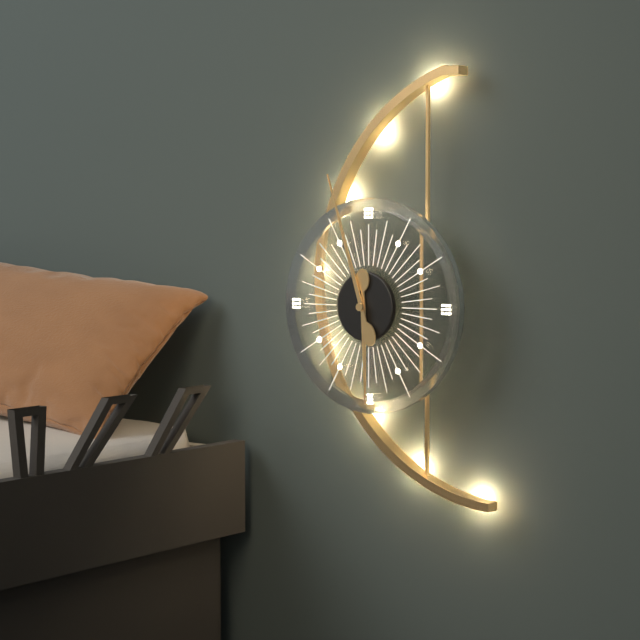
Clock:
5:57
